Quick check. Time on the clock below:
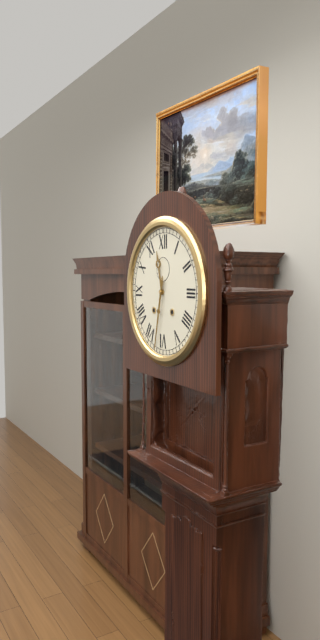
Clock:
11:32
